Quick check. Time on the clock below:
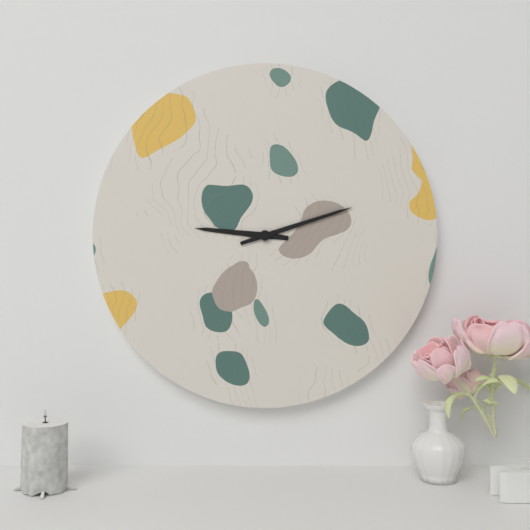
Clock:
9:12
